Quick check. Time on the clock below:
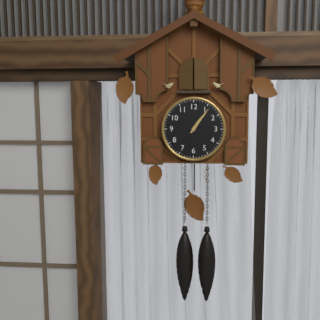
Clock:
1:06
